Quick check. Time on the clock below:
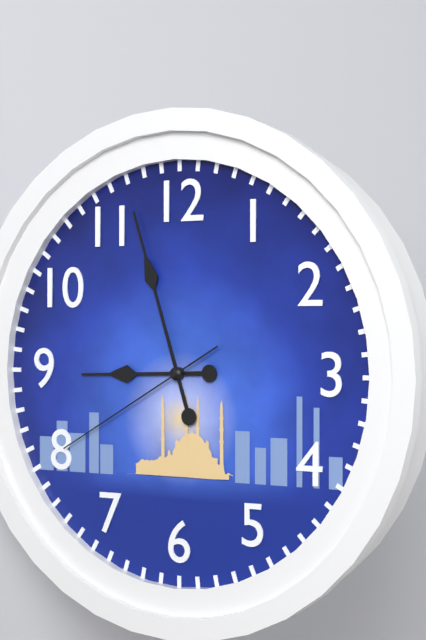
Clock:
8:57:40
